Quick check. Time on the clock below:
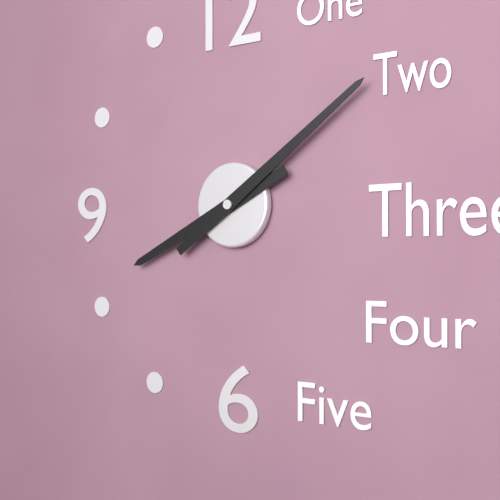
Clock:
8:09
